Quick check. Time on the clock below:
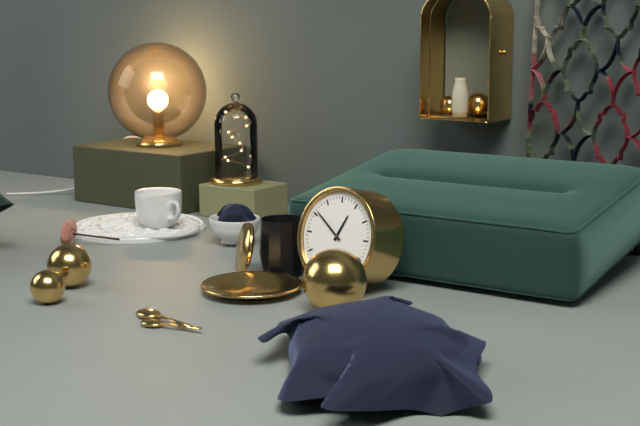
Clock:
12:51
